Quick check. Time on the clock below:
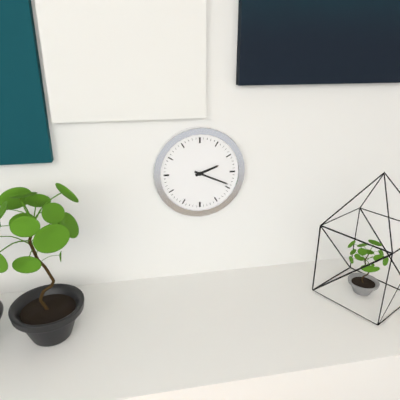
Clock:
2:19
